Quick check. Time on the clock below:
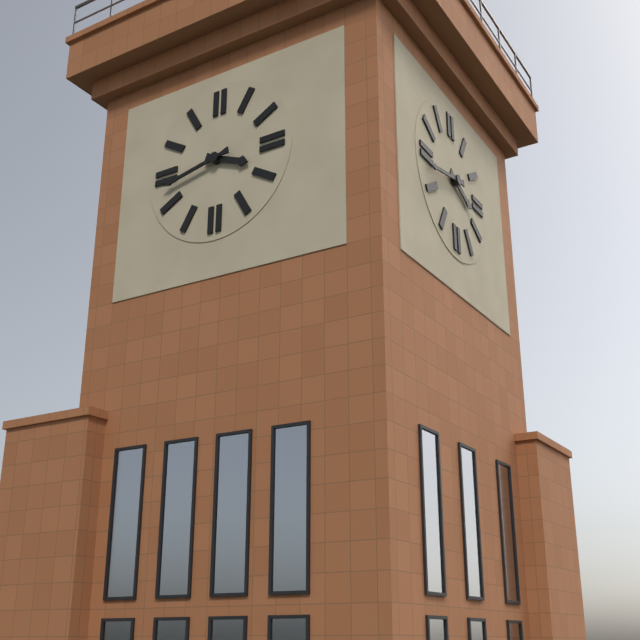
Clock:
3:43
